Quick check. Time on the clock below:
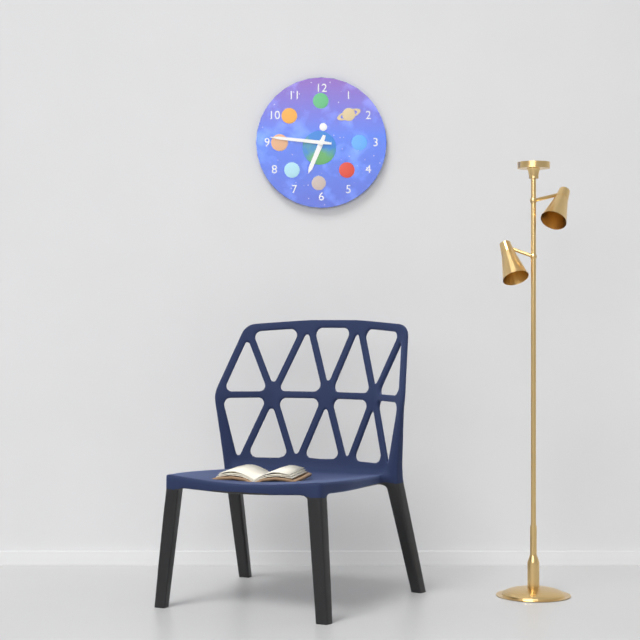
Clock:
6:46
